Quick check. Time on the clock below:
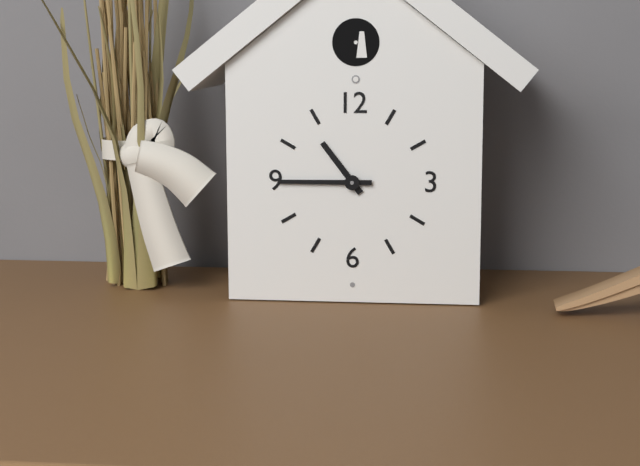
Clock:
10:45
